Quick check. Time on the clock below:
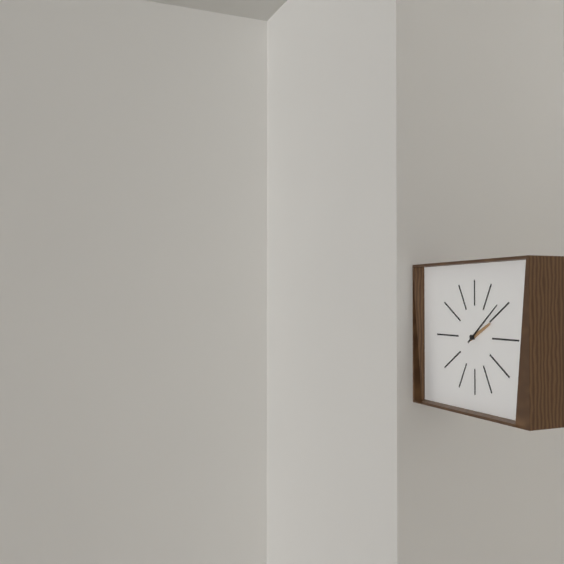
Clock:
2:09
